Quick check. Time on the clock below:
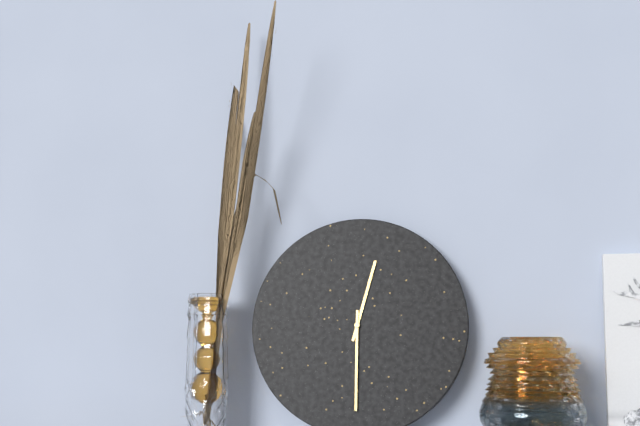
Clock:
12:30
